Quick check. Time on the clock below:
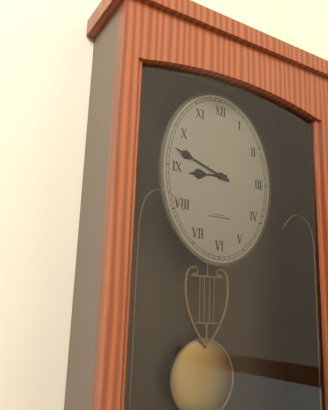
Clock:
8:48
